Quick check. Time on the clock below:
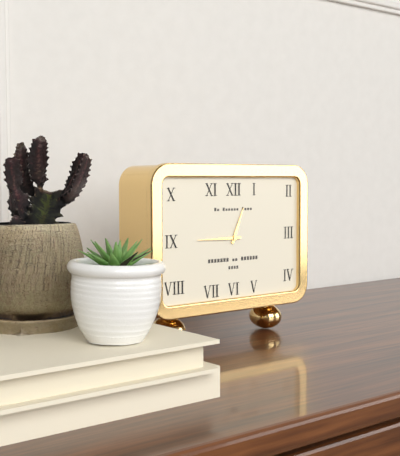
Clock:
12:45
